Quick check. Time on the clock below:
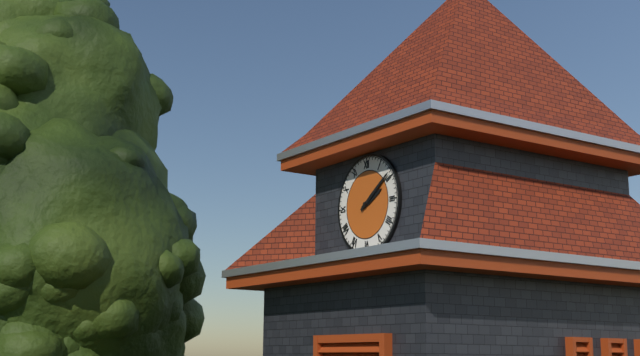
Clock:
2:09
